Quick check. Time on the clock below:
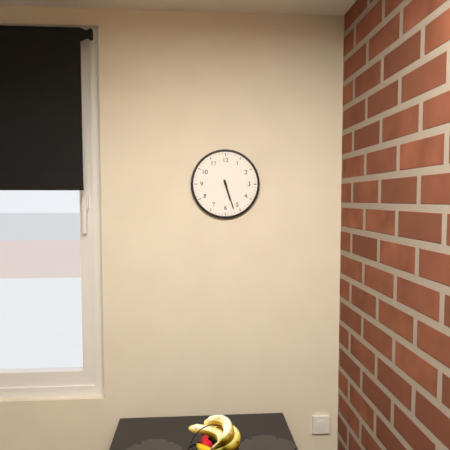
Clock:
5:27
